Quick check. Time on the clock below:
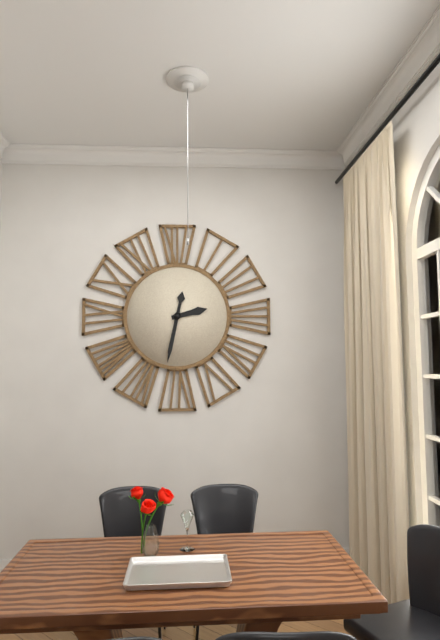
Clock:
2:32
